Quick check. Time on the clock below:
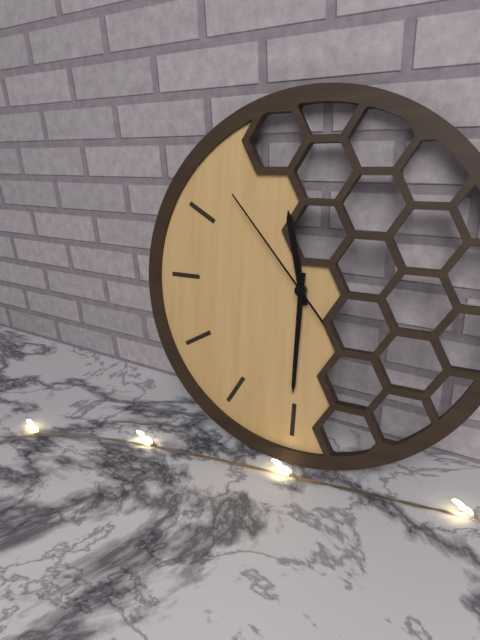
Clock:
11:30:53
